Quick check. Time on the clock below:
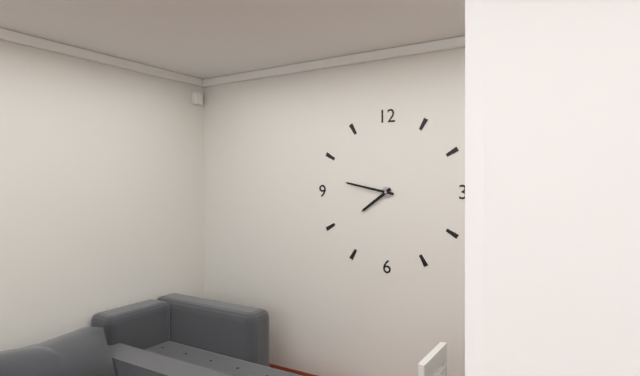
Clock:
7:47
